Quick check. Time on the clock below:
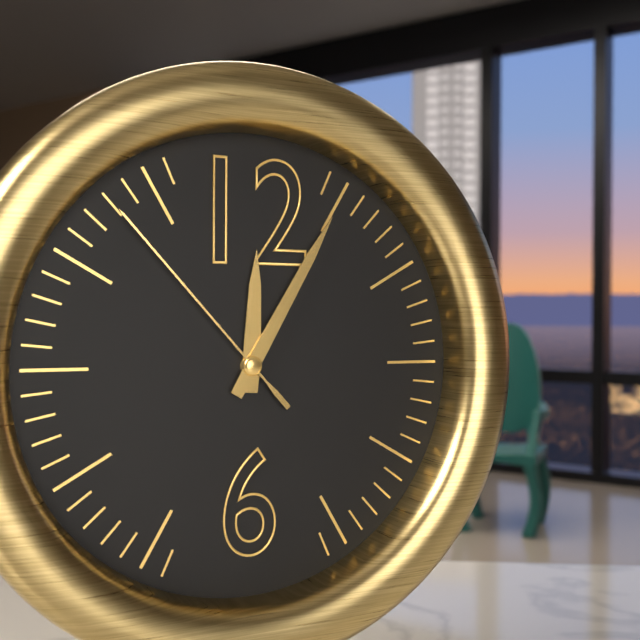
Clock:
12:05:53
